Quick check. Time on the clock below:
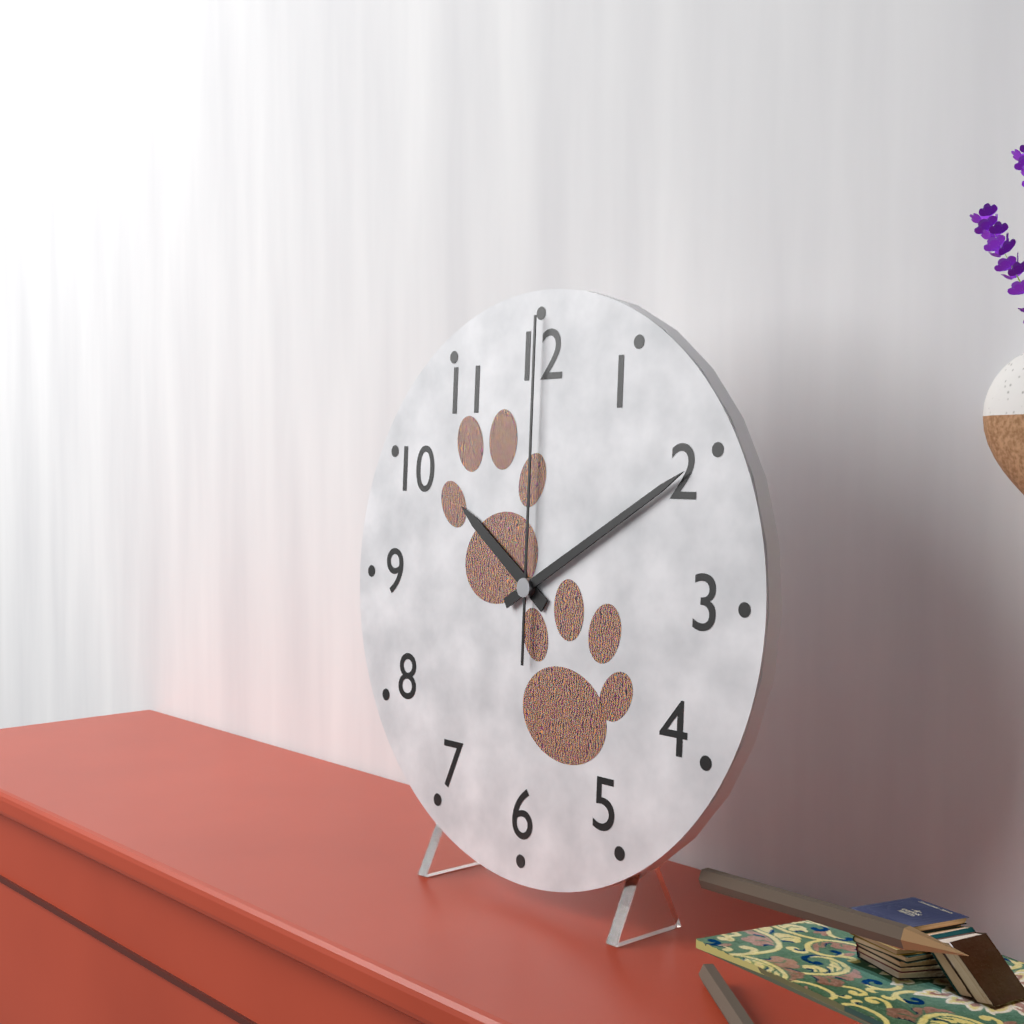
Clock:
10:10:00
